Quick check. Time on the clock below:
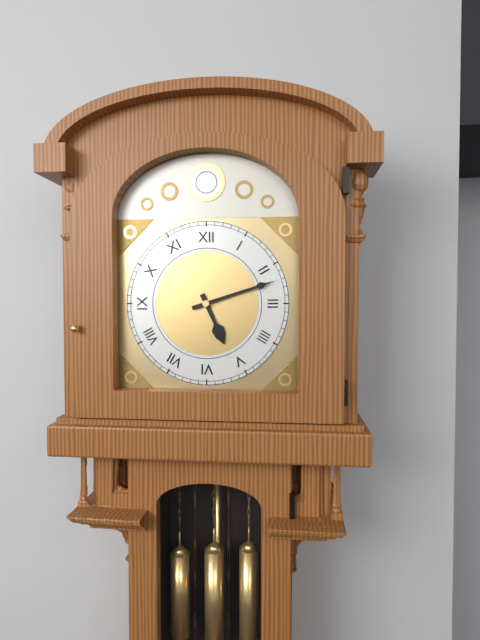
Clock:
5:12
